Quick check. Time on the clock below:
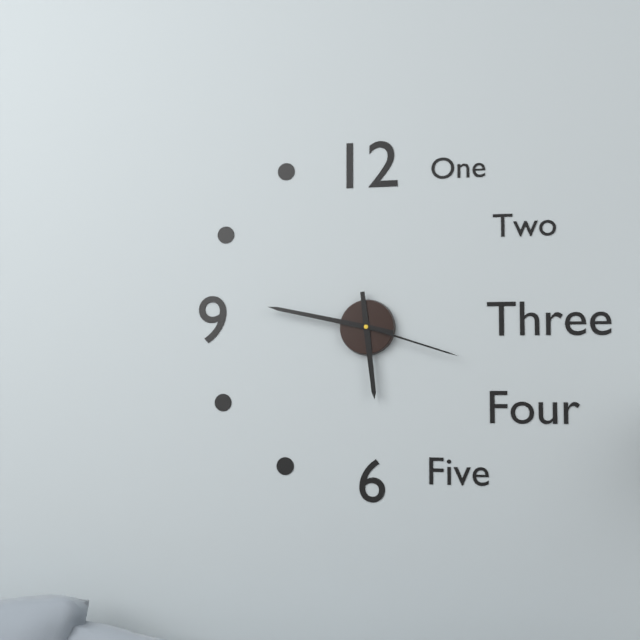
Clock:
5:47:18
